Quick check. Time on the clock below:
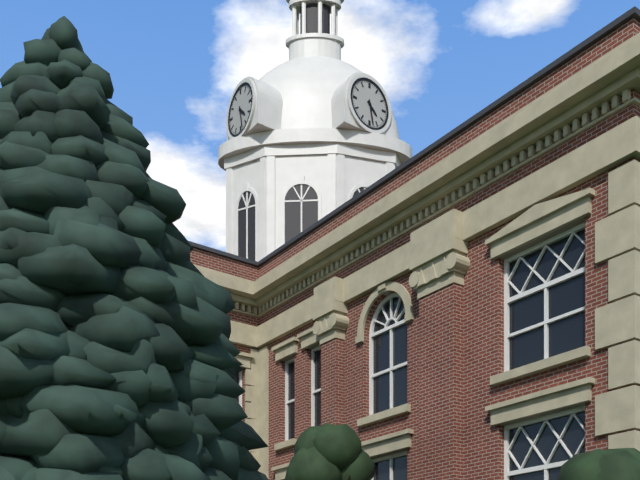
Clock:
4:28
